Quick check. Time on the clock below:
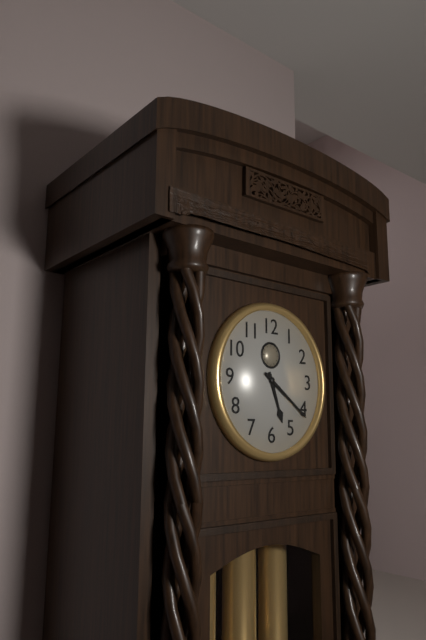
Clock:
5:21
